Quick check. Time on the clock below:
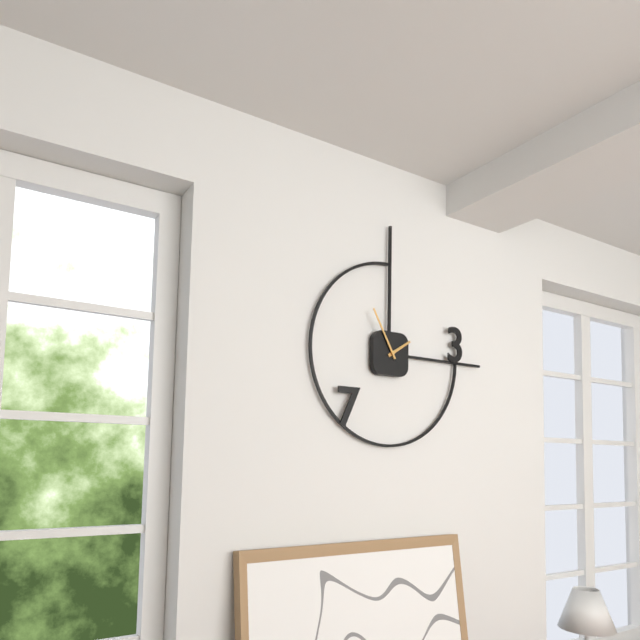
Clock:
1:55
